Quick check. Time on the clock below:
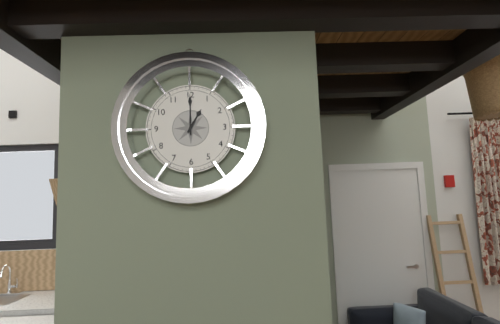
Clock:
1:00
